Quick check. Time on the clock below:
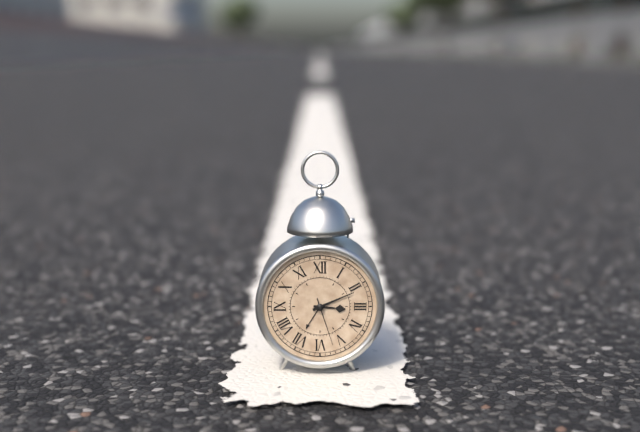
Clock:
3:11:27
